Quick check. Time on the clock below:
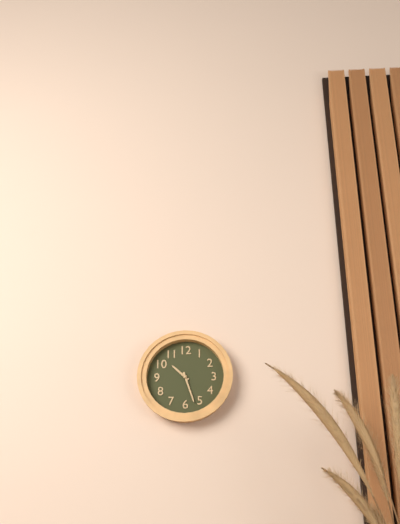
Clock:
10:27
